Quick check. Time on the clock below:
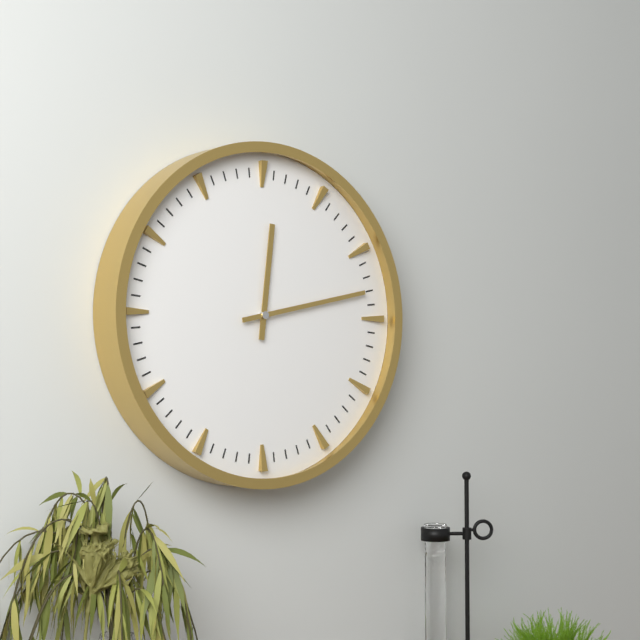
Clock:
12:13
